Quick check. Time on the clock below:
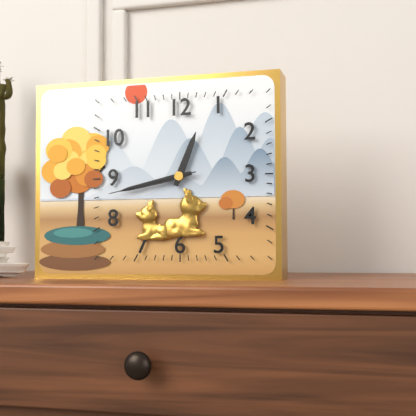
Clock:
12:43:43
